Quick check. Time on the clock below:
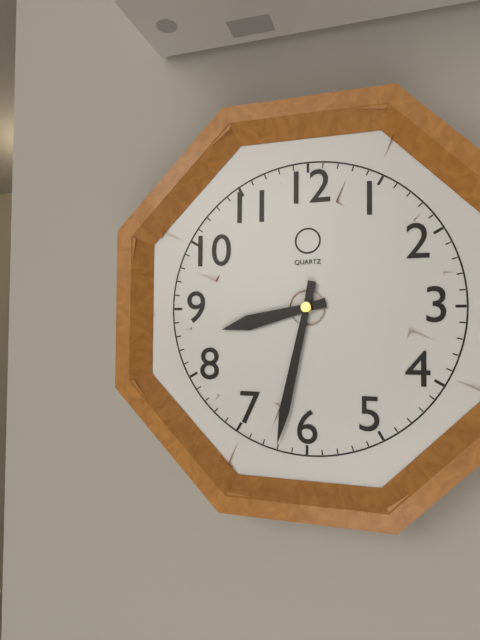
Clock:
8:32
